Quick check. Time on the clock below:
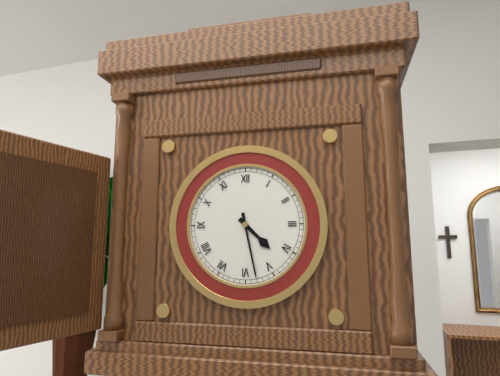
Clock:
4:28
